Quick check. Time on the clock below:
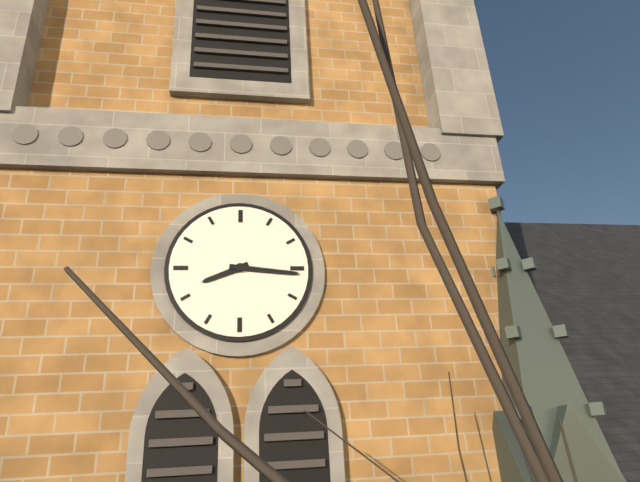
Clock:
8:16
